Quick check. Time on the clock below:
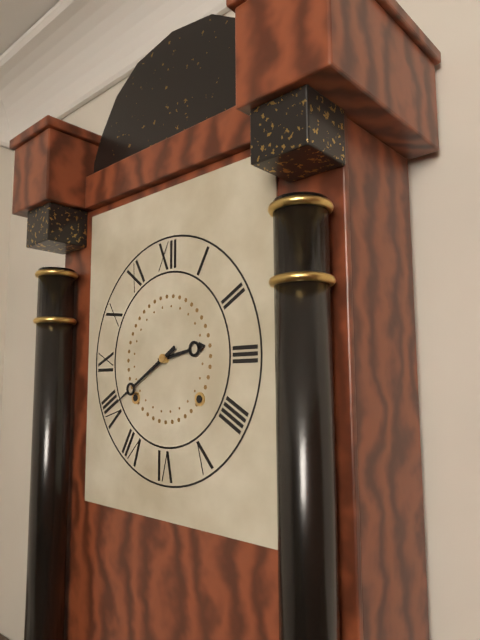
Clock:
2:40
